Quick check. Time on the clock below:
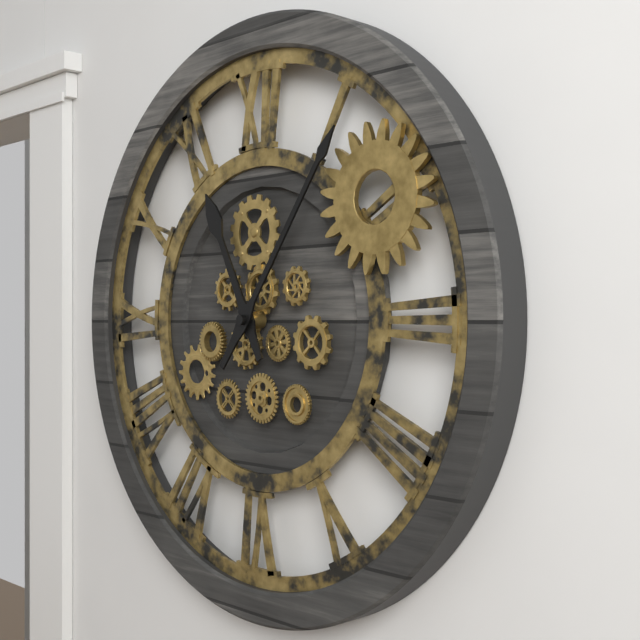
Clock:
11:06
